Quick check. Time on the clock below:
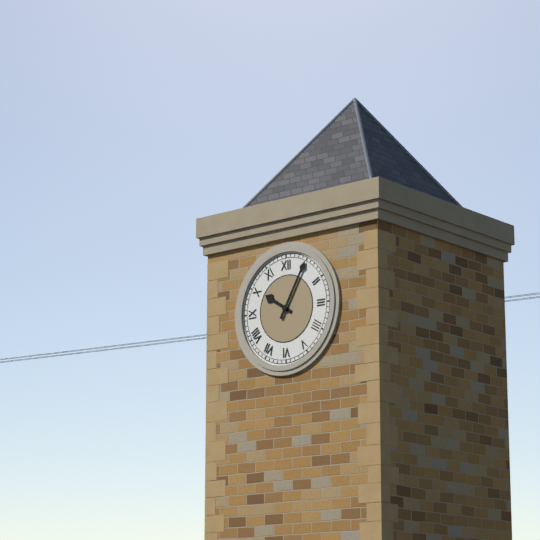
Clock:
10:05
